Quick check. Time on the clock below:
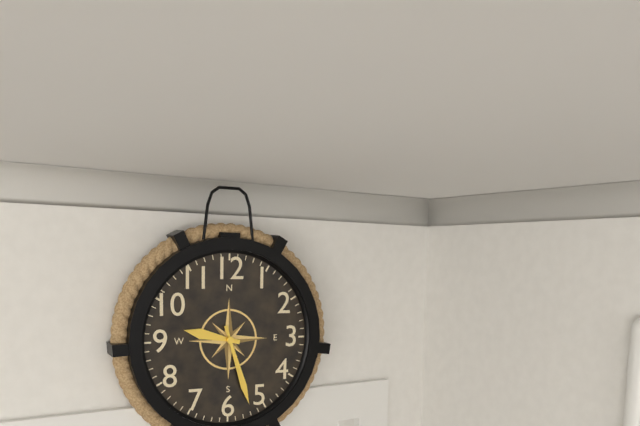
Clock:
9:27
